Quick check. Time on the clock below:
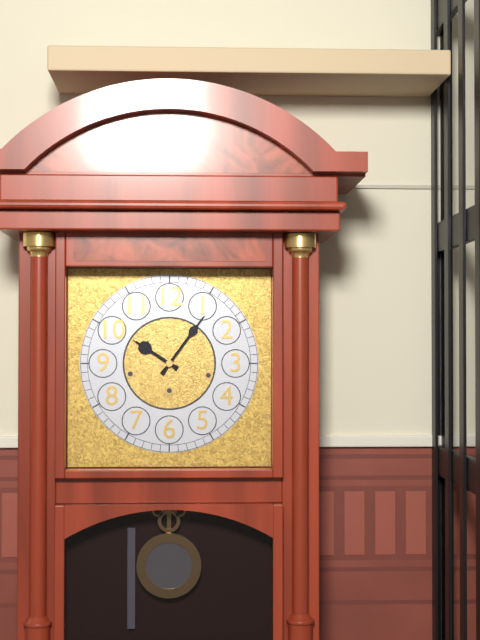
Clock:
10:06
